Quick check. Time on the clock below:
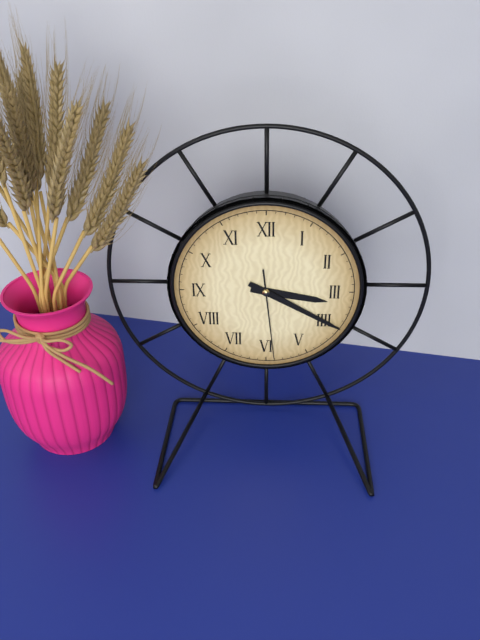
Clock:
3:20:29
